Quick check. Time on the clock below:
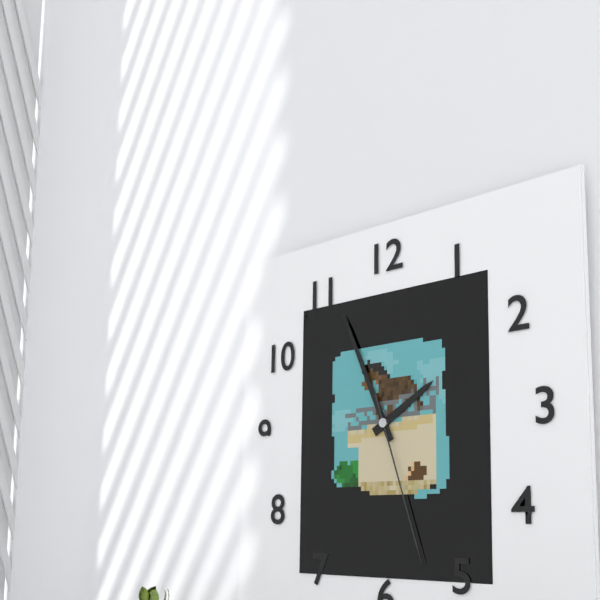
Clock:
1:56:27
